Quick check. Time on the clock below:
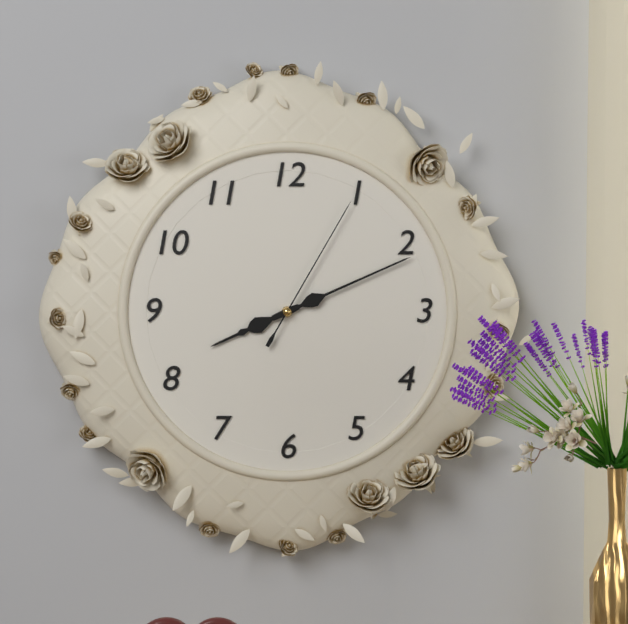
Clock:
8:11:05
